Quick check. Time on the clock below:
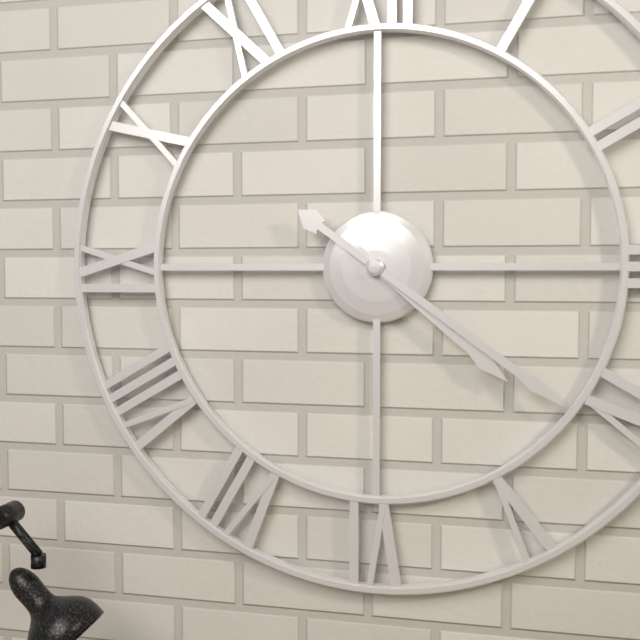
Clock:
4:21
